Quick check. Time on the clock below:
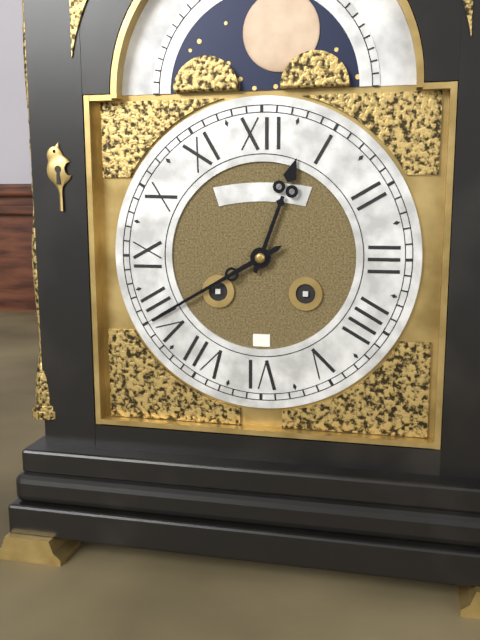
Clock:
12:40
